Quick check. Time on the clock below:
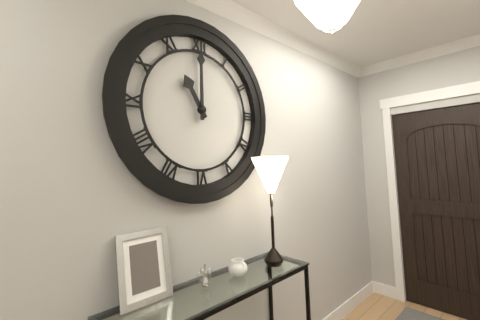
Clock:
11:00
